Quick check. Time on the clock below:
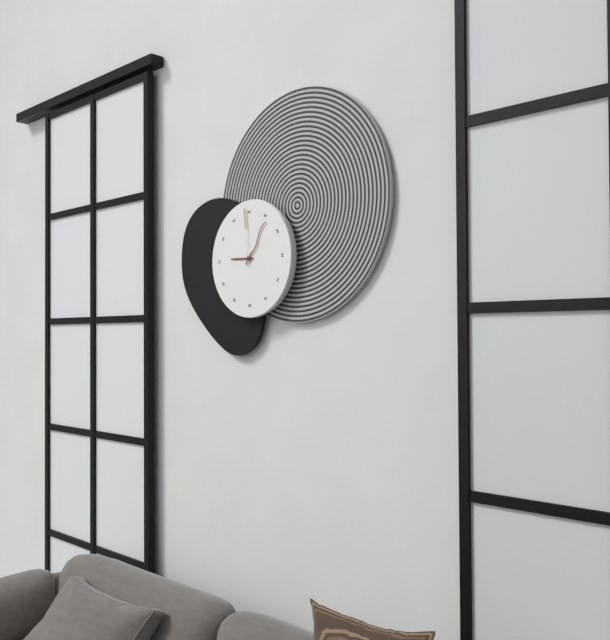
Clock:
9:06:59
